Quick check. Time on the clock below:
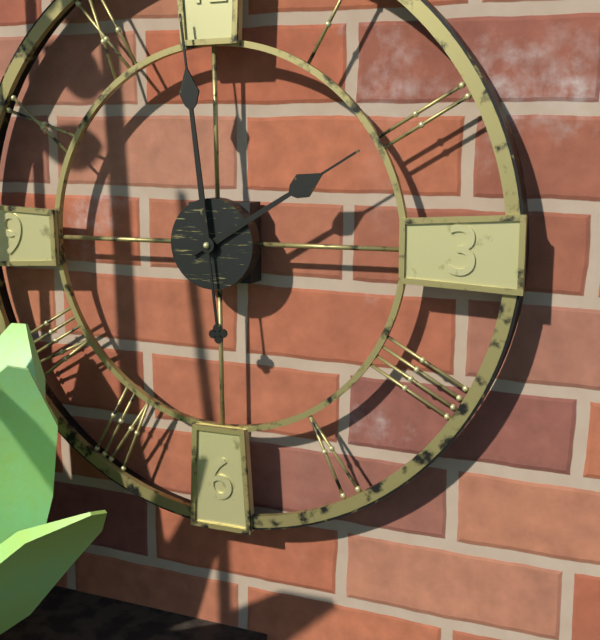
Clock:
1:59
